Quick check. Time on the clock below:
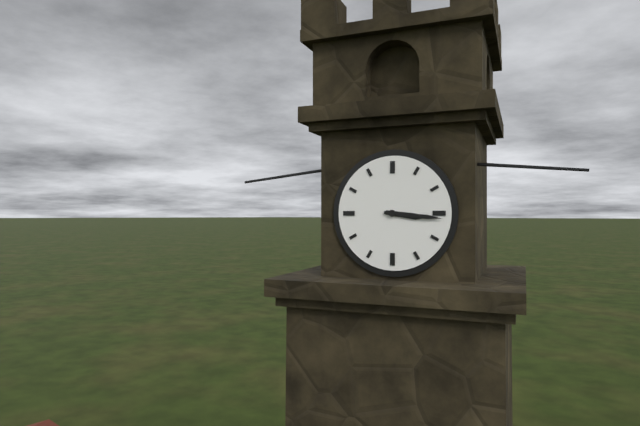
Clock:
3:16
